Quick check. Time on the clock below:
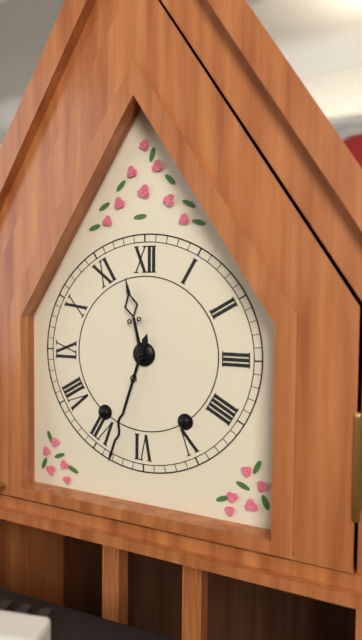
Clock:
11:33
